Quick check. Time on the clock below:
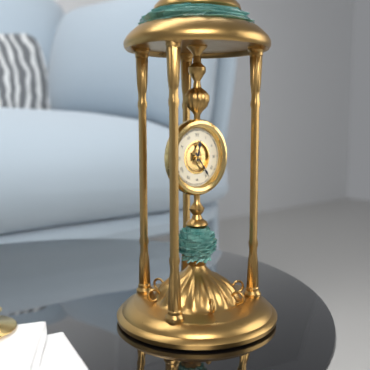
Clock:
12:24
